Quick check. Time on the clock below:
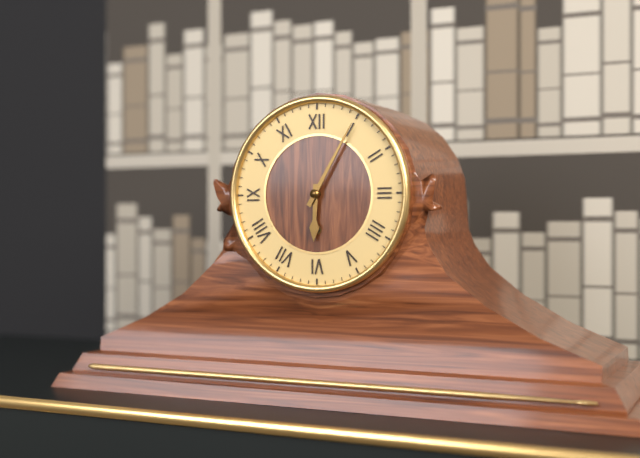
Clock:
6:05
